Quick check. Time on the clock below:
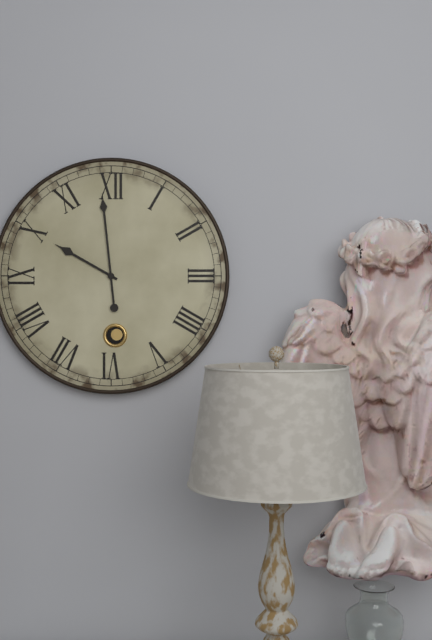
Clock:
9:59
